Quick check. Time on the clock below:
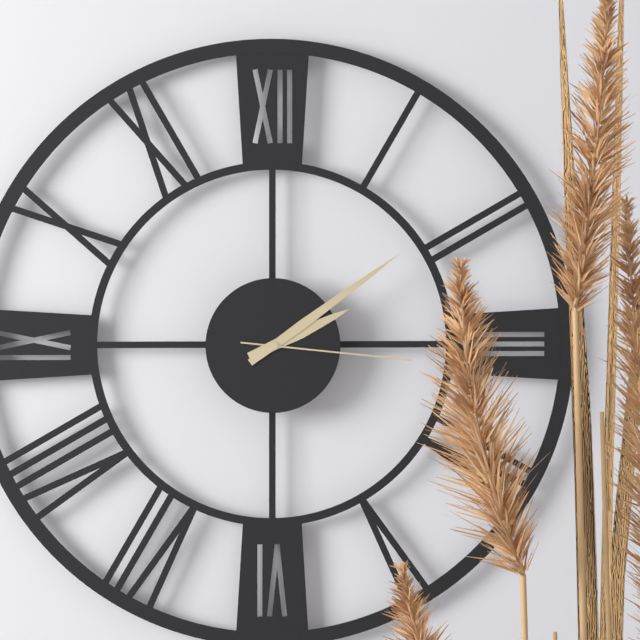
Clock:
2:09:16
